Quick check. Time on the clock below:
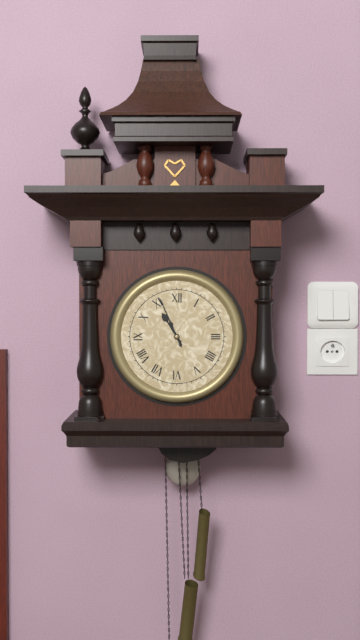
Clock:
10:56
